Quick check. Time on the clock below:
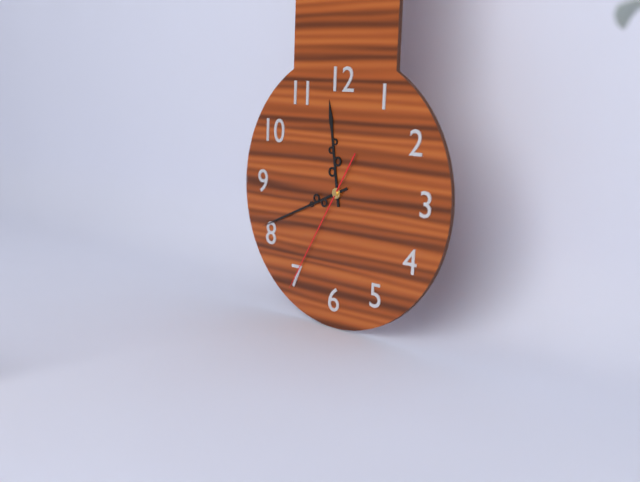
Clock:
11:41:35
